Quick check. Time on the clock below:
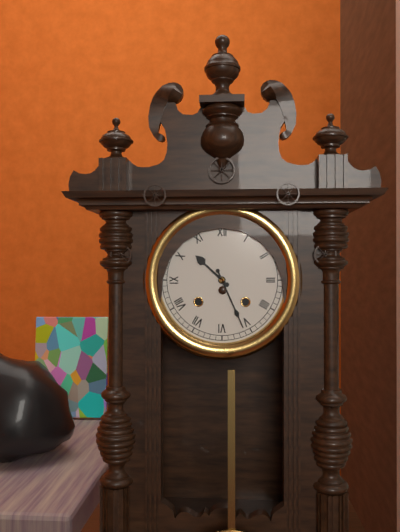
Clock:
10:26
